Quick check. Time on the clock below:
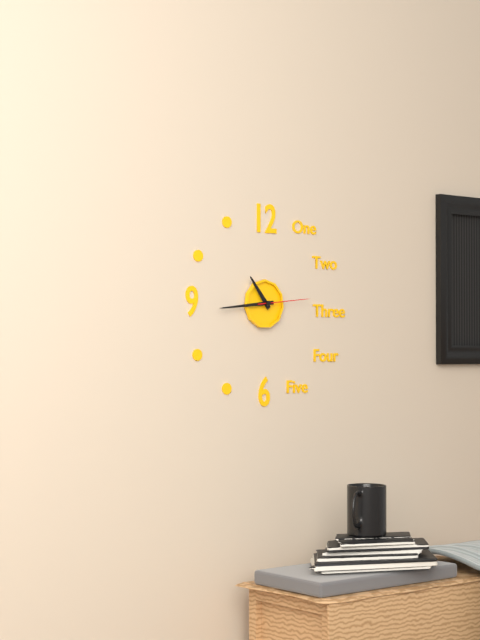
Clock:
10:44:14
